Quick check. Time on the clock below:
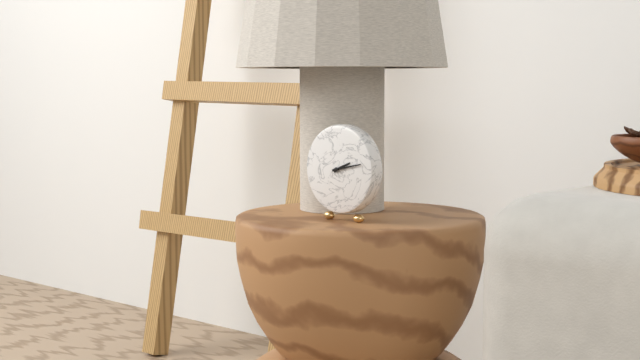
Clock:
2:13
